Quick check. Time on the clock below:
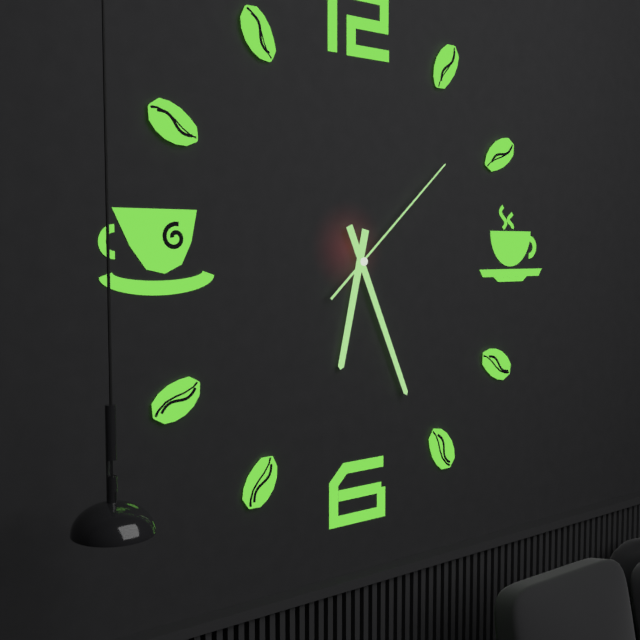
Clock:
6:26:08
